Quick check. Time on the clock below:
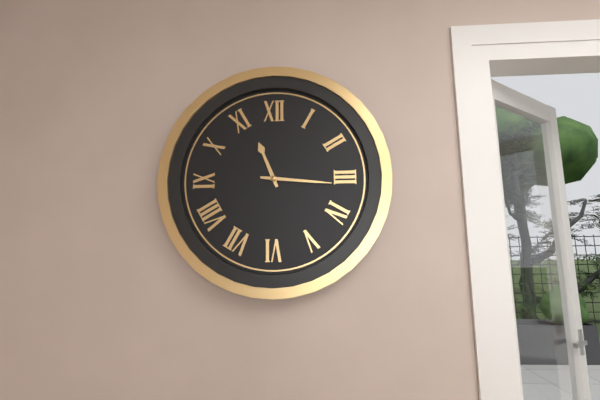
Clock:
11:16
